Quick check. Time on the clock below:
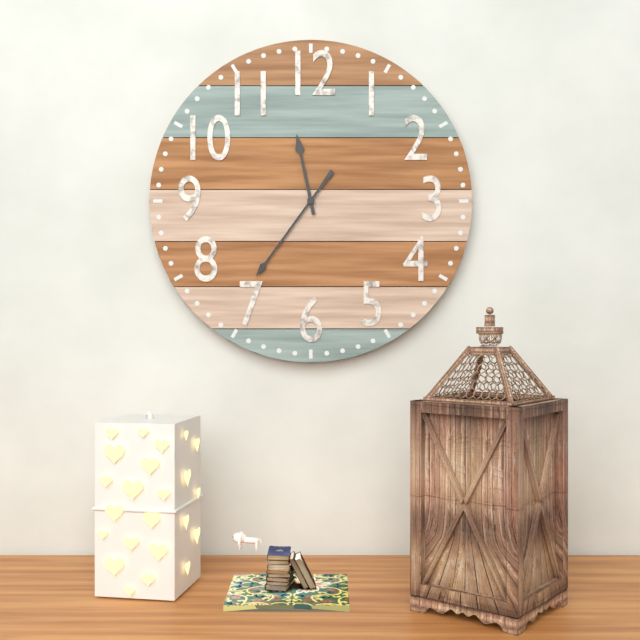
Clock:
11:36
